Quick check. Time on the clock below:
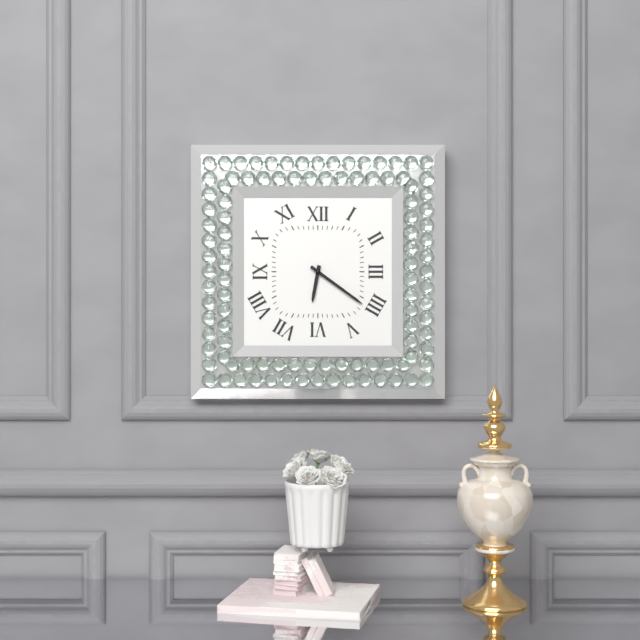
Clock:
6:21
